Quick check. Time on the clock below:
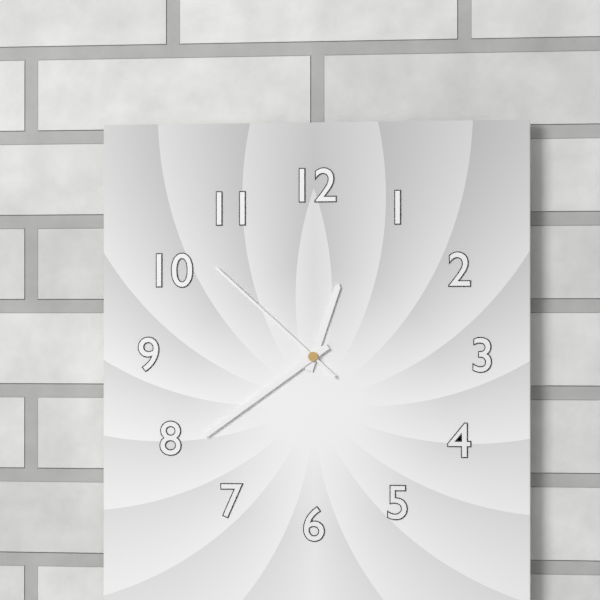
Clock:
12:39:52
